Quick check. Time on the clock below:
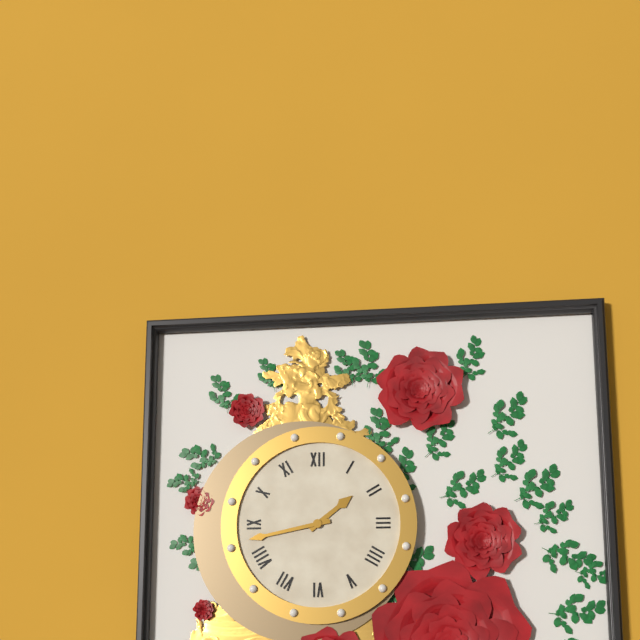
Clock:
1:43
